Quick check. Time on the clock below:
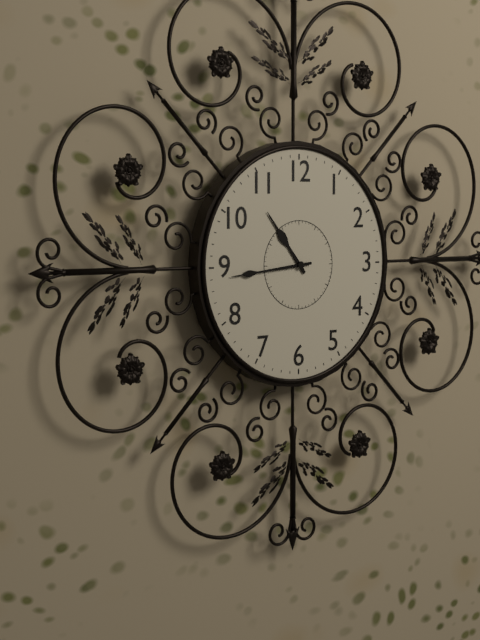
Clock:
10:44
